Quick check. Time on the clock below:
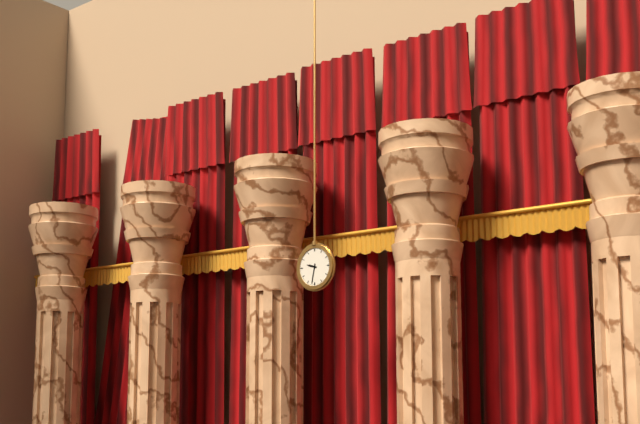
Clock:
9:32
